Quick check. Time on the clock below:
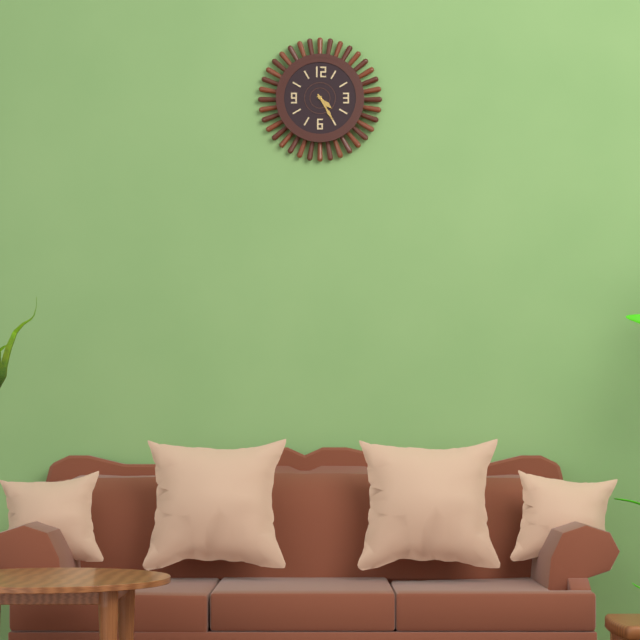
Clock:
4:25
